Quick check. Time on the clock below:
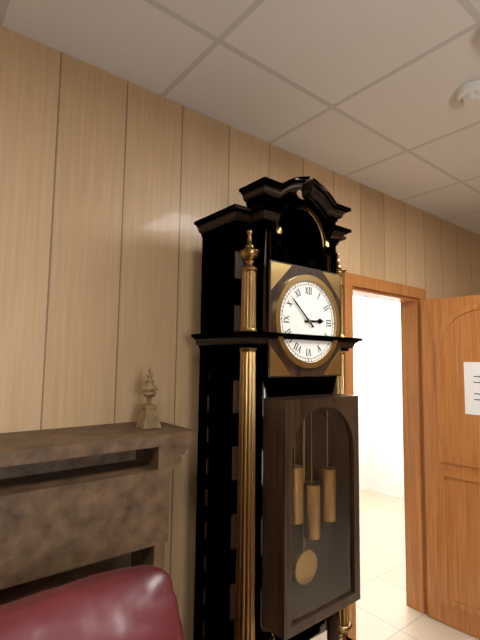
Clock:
2:52
